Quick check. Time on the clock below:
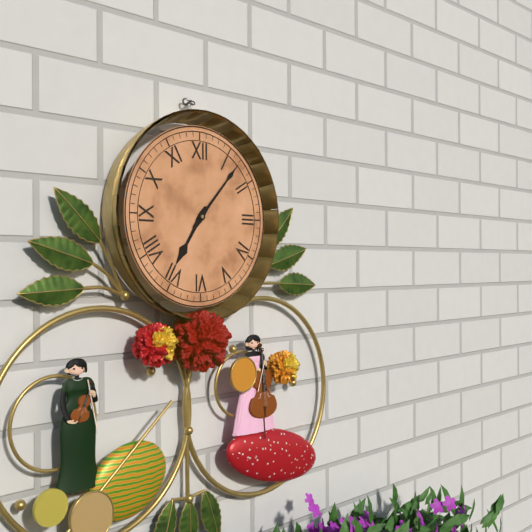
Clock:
7:07
